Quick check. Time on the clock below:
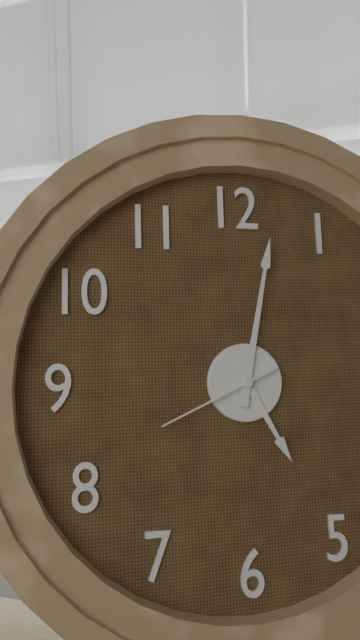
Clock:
5:02:41
